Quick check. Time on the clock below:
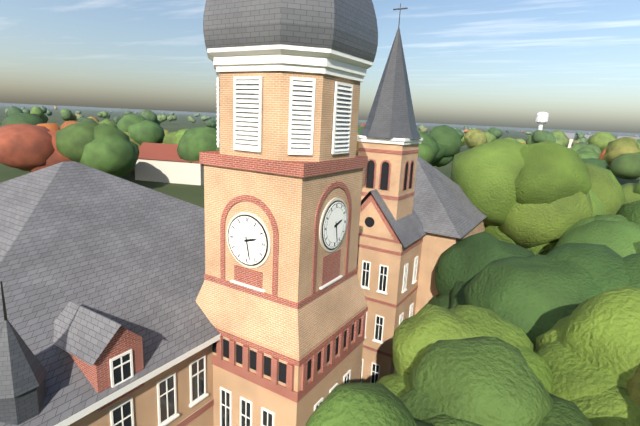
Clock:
2:28
